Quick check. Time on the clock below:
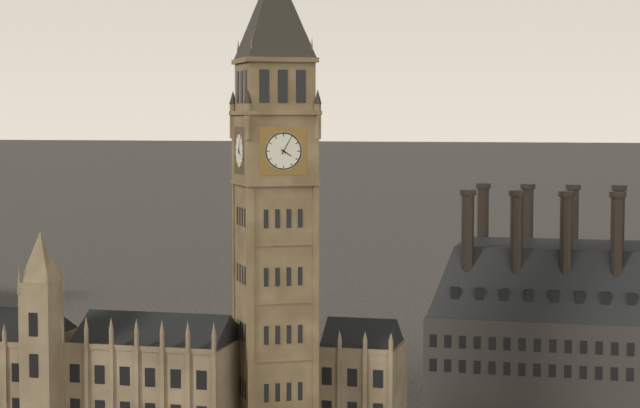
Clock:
4:05
